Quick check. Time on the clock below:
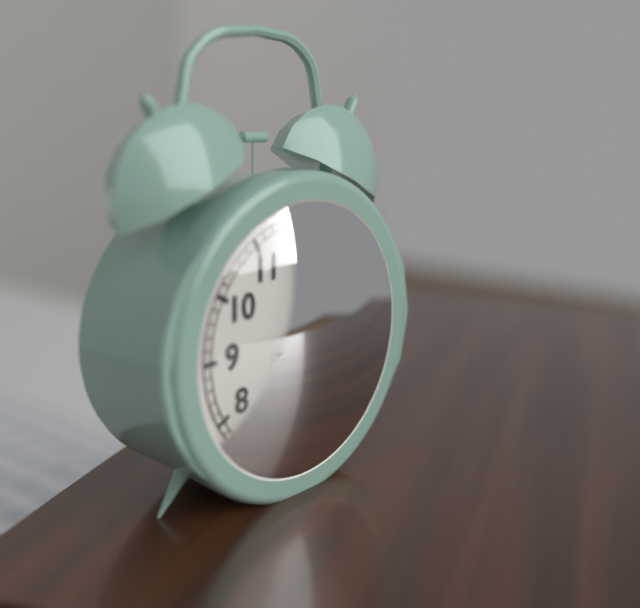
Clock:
12:29:13
